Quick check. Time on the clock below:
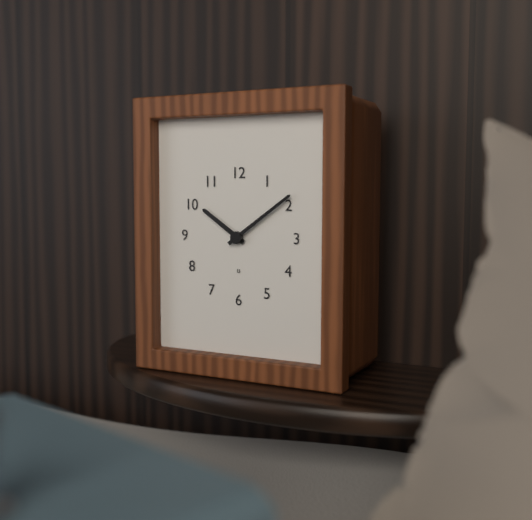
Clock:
10:09
